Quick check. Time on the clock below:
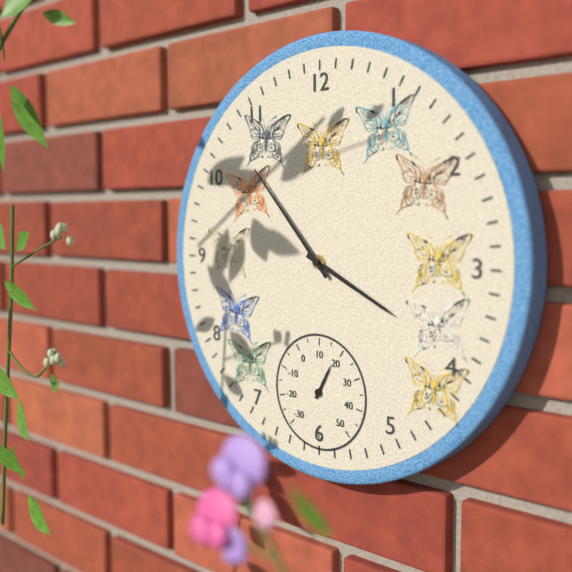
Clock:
3:53
